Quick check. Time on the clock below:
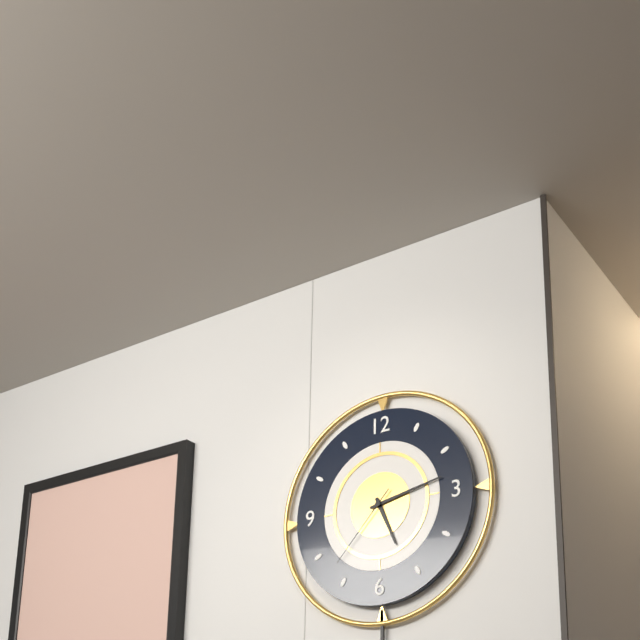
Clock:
5:13:37
